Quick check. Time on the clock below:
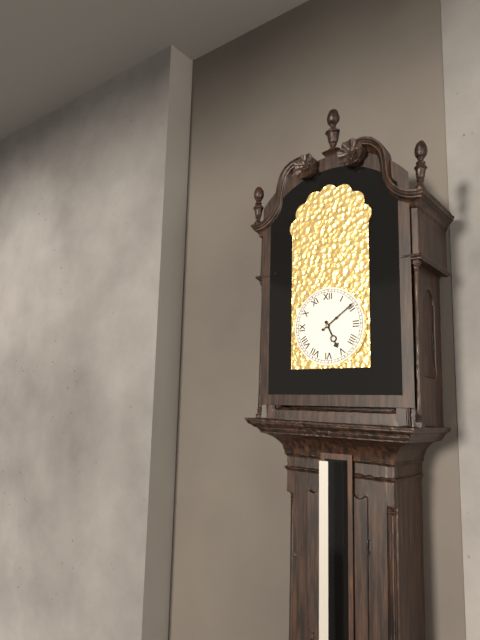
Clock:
5:09
